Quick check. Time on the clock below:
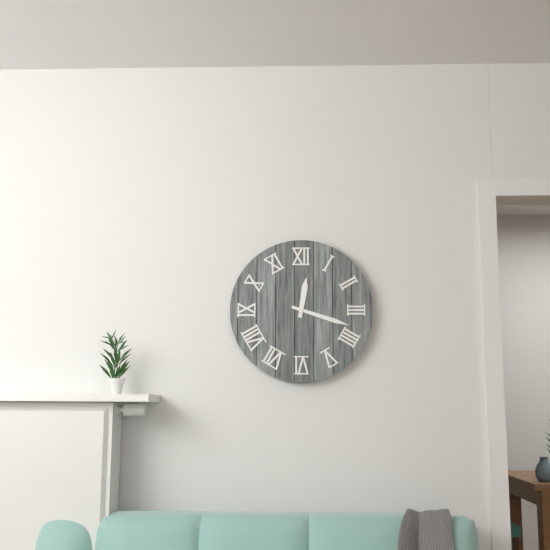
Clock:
12:18
